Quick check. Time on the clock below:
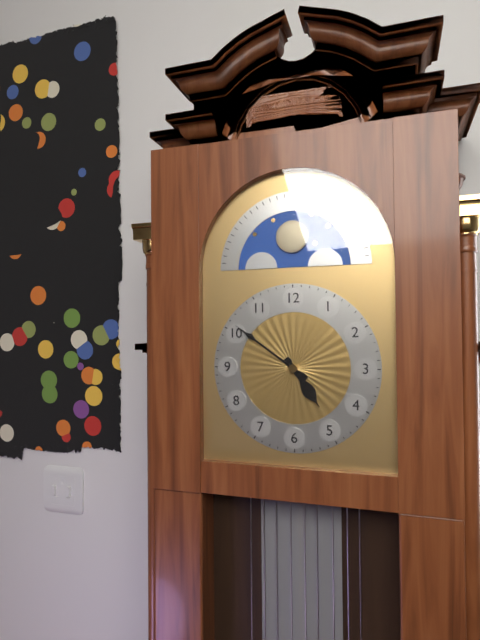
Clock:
4:51
